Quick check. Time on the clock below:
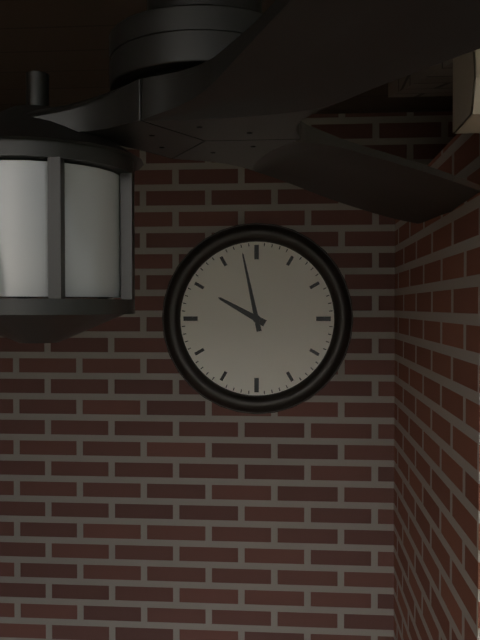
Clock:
9:58
